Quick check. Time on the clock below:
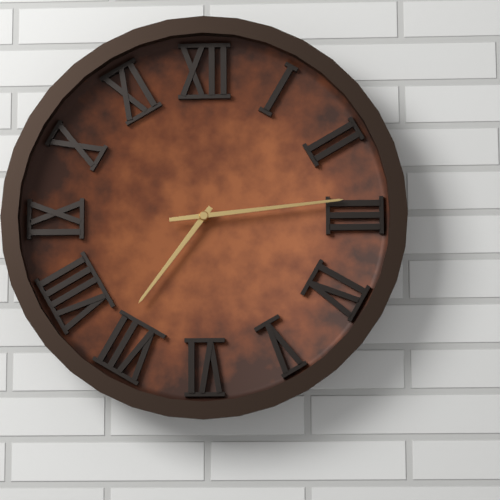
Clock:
7:14
